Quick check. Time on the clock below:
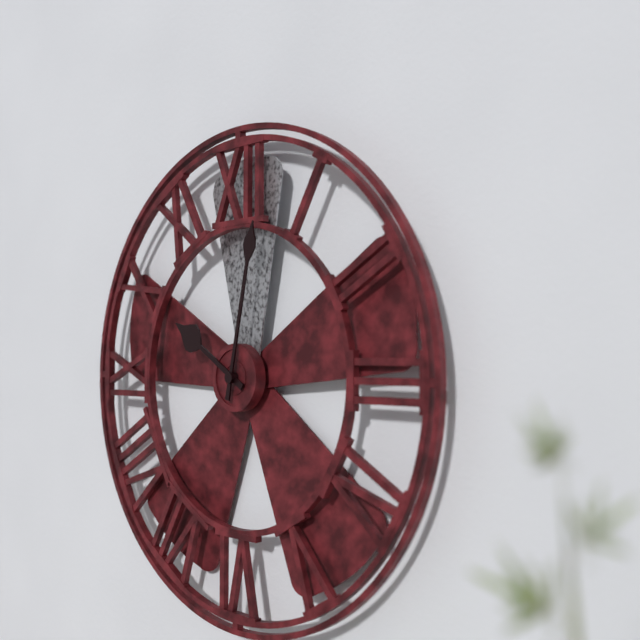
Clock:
10:02
